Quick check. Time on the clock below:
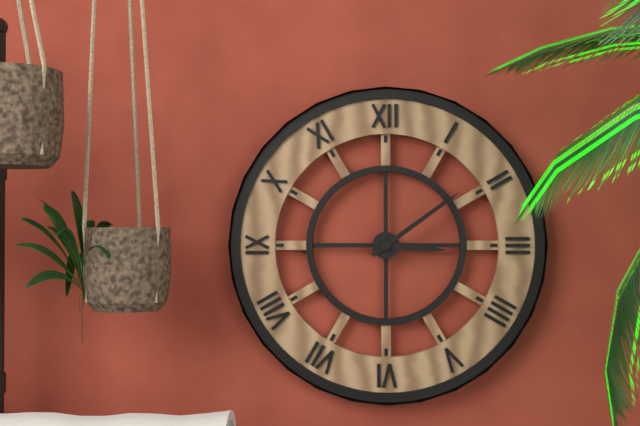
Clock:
3:09
